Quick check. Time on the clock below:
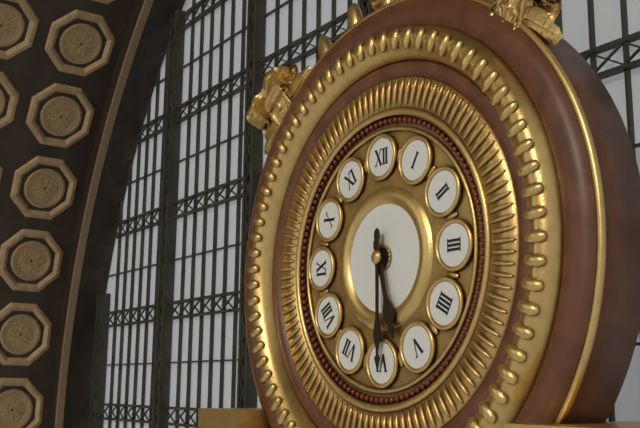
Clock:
5:30
